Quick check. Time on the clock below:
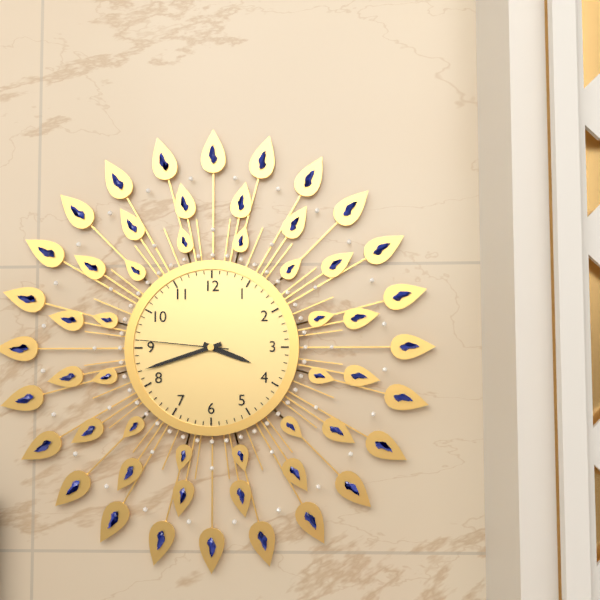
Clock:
3:42:46
